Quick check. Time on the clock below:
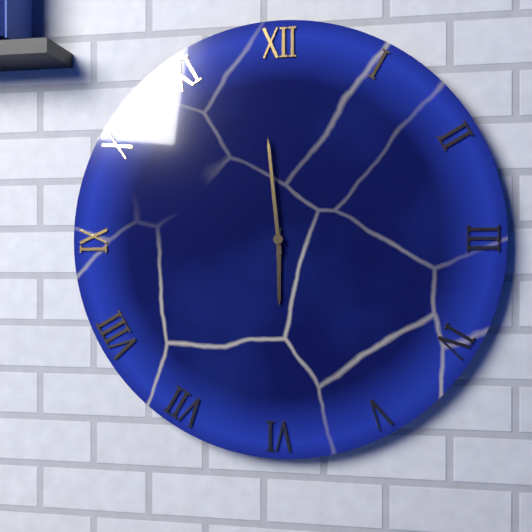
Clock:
5:59
